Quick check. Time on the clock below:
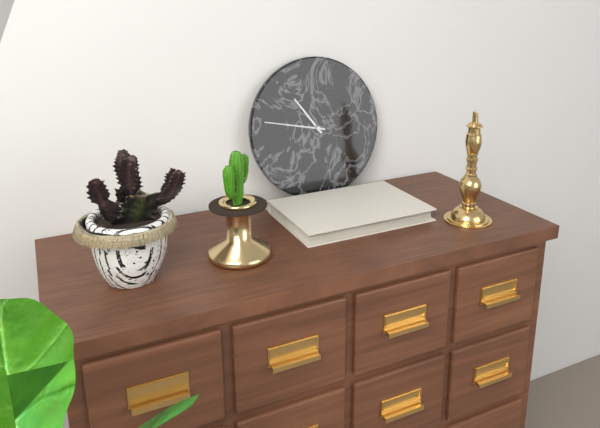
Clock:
10:47
